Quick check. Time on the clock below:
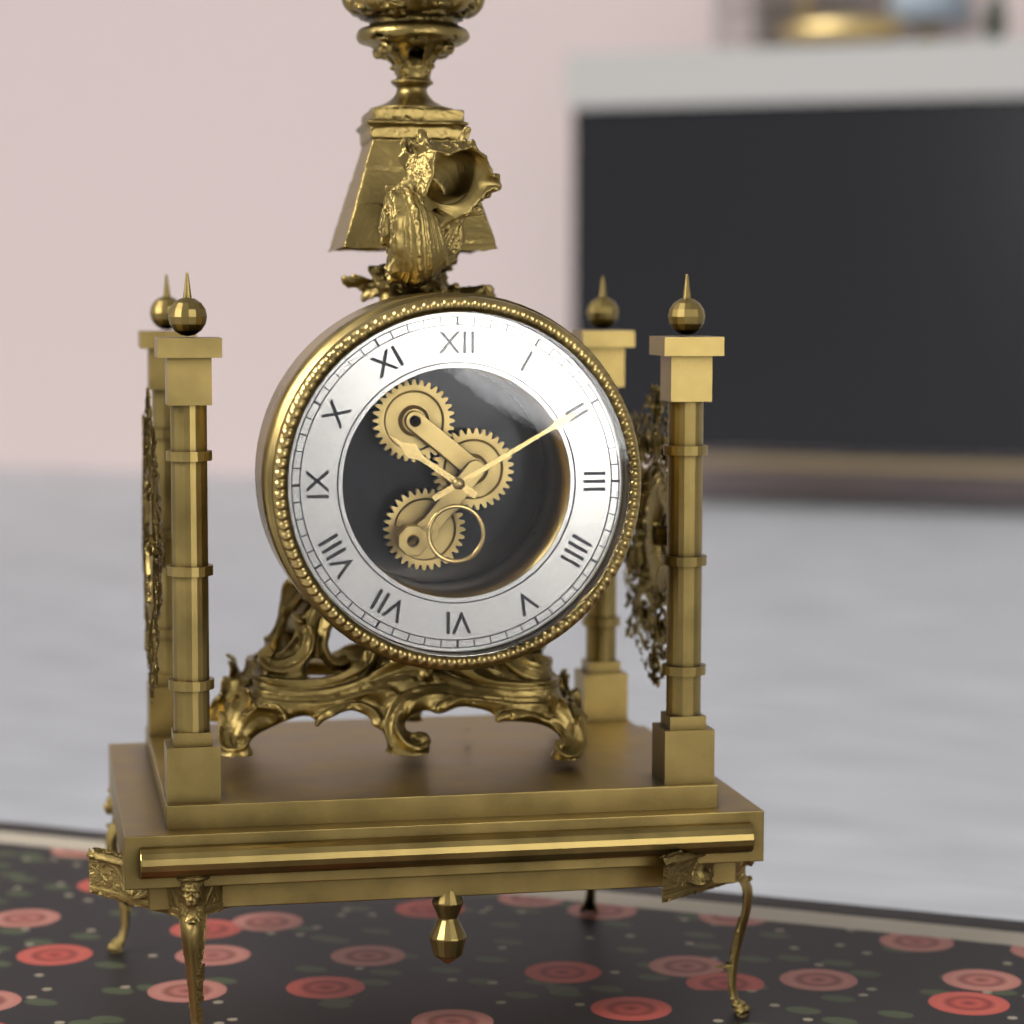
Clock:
10:10
